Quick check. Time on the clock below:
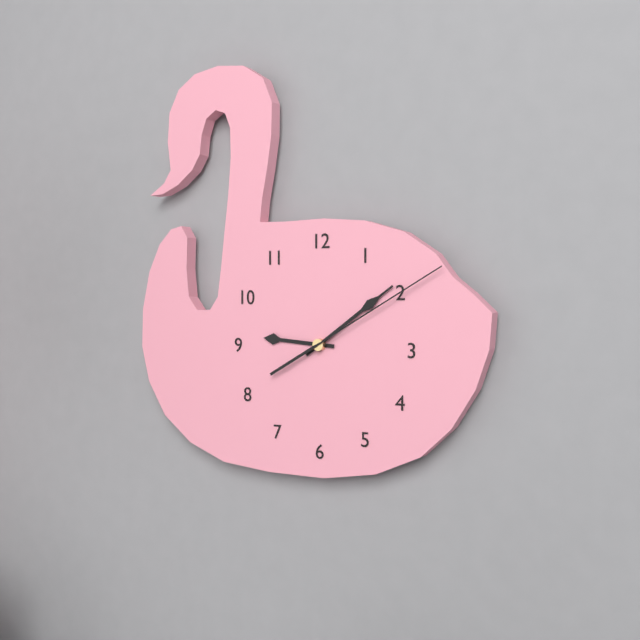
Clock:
9:09:10
